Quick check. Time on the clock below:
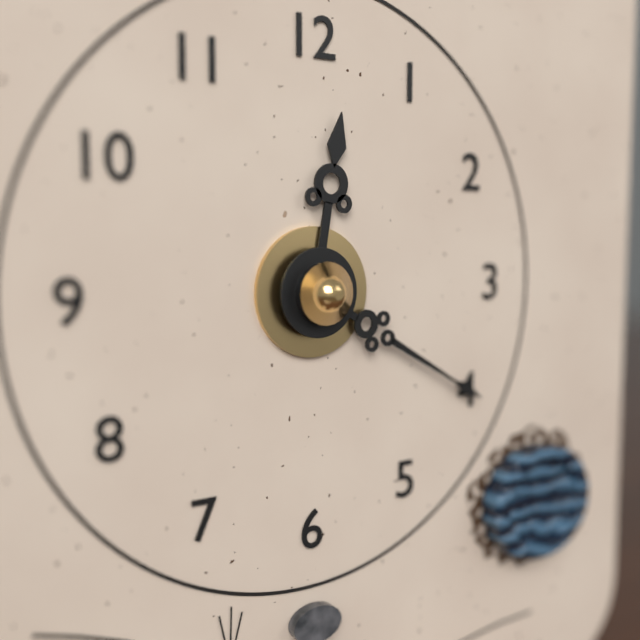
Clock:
12:20
